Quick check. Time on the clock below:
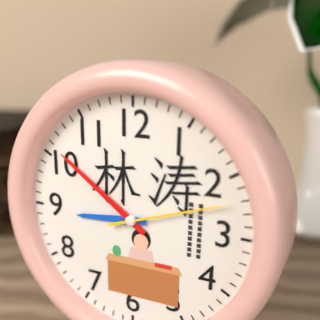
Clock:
8:51:12
